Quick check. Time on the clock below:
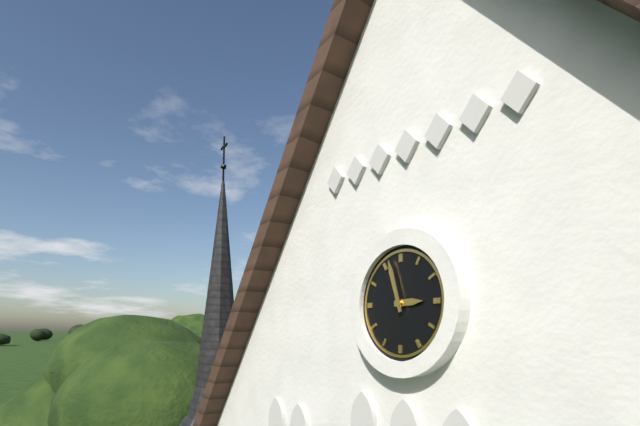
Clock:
2:57
